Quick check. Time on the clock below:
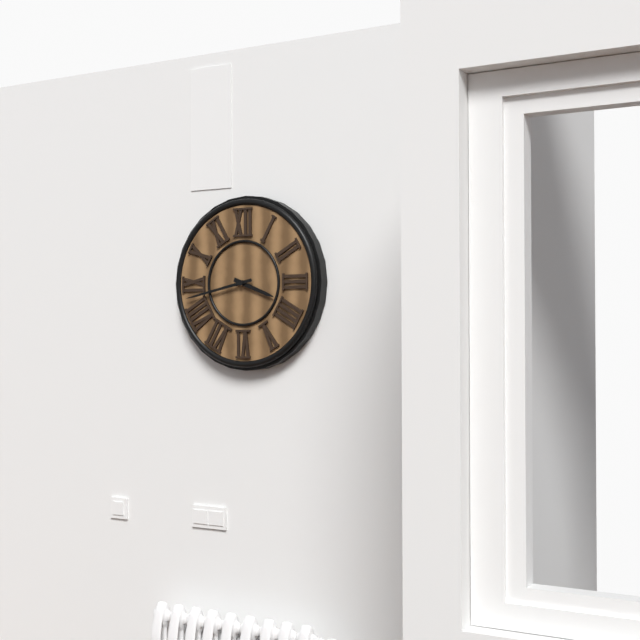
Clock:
3:43
